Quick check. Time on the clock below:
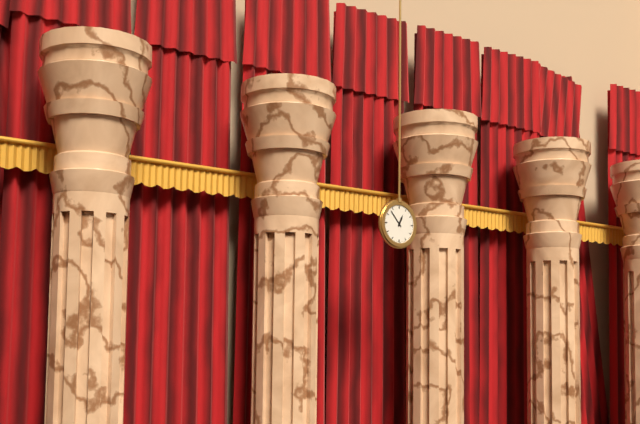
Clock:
12:53
